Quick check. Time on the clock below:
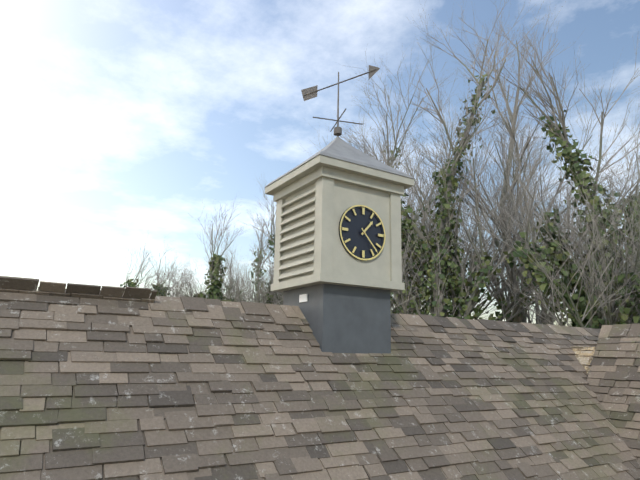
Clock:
1:23
